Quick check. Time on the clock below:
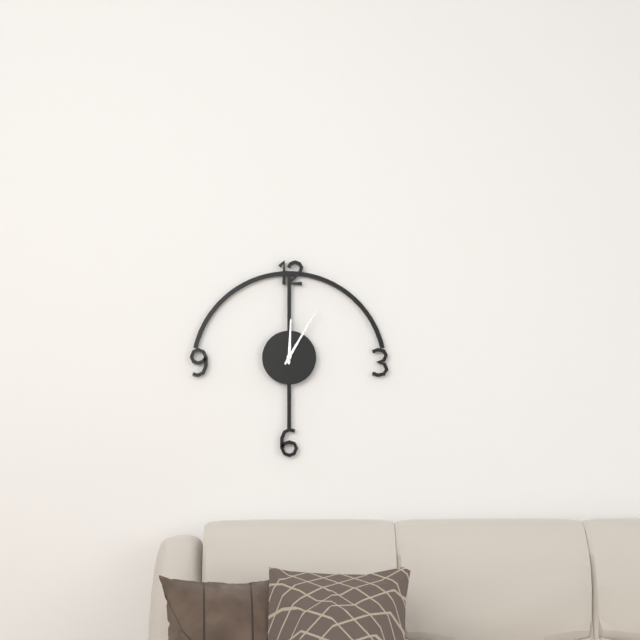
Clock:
12:05
